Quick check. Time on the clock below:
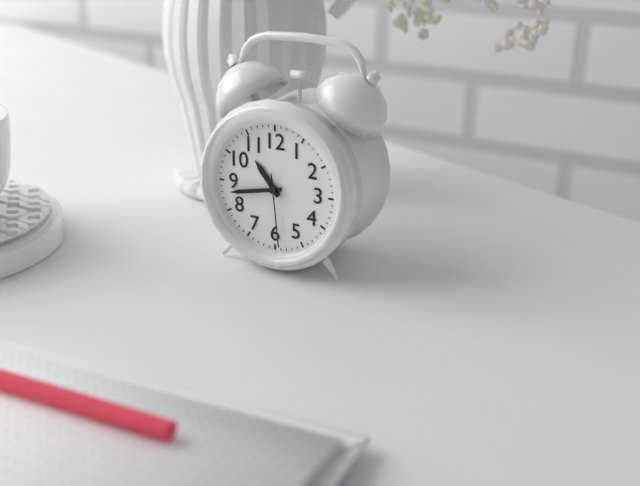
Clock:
10:43:29
